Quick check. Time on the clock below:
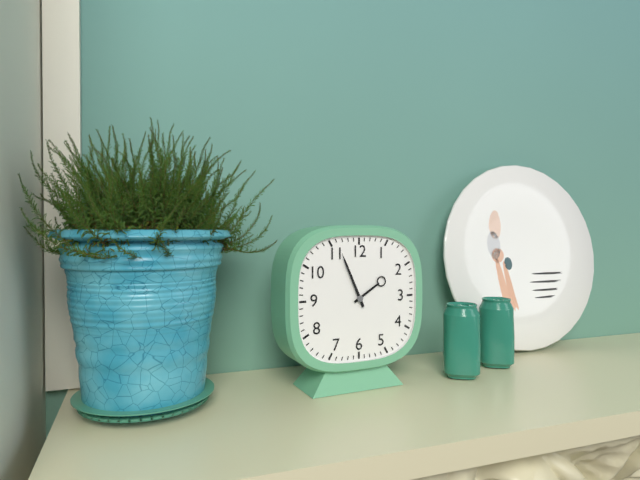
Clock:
1:56
